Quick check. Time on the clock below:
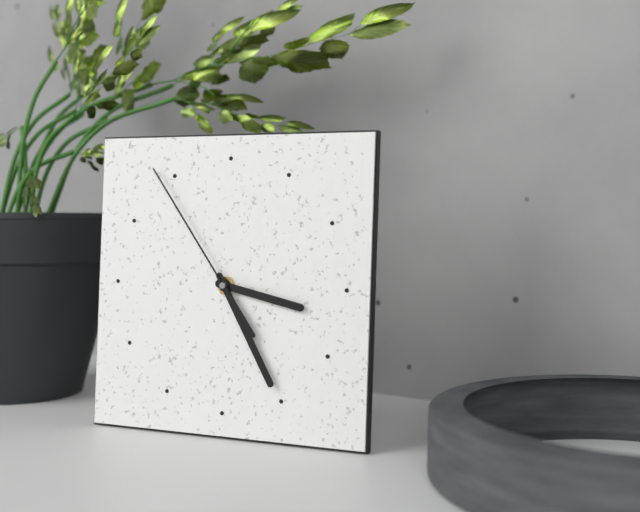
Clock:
3:25:54
